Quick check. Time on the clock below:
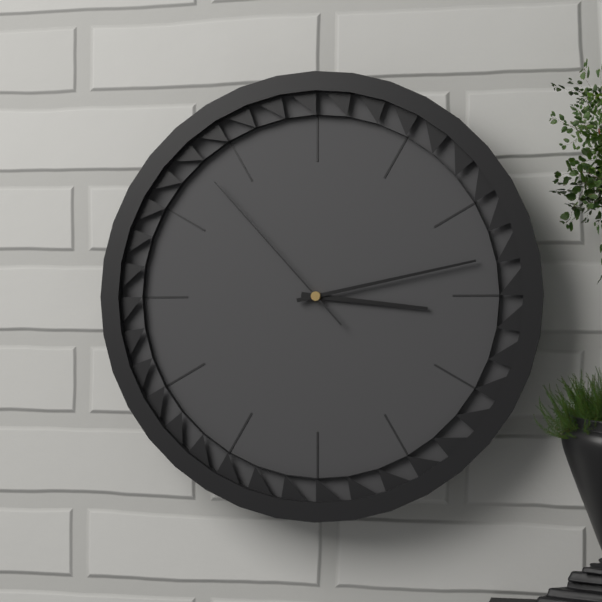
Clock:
3:13:53
